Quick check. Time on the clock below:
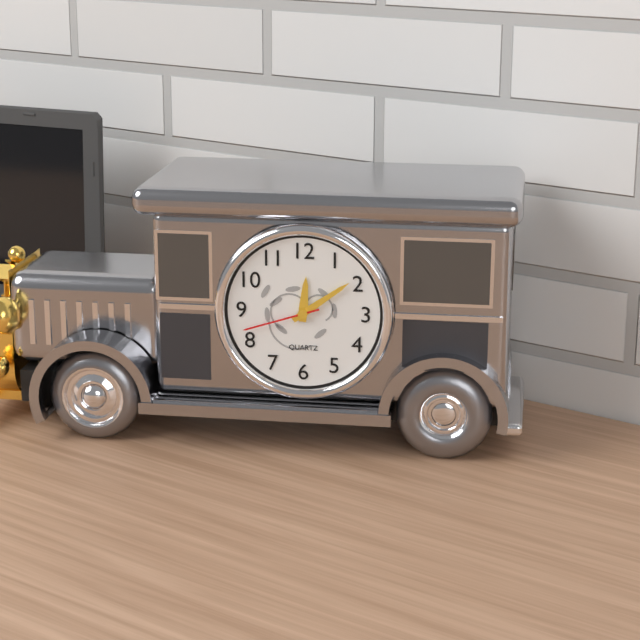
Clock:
12:09:42
